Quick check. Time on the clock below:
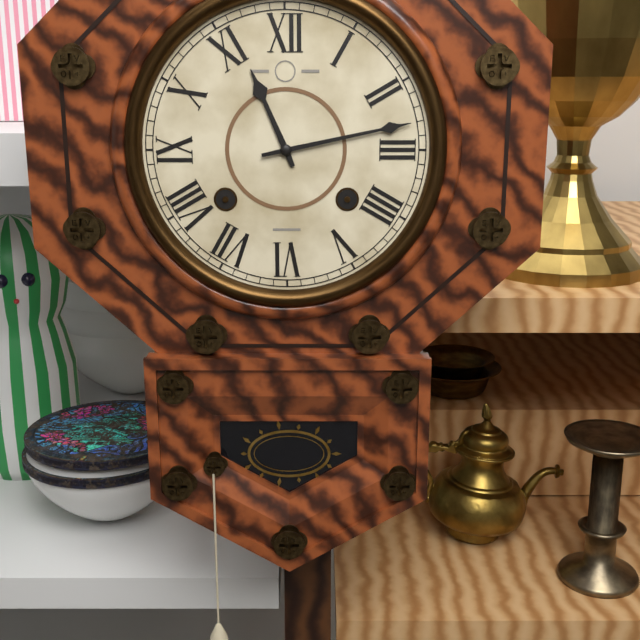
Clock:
11:13
